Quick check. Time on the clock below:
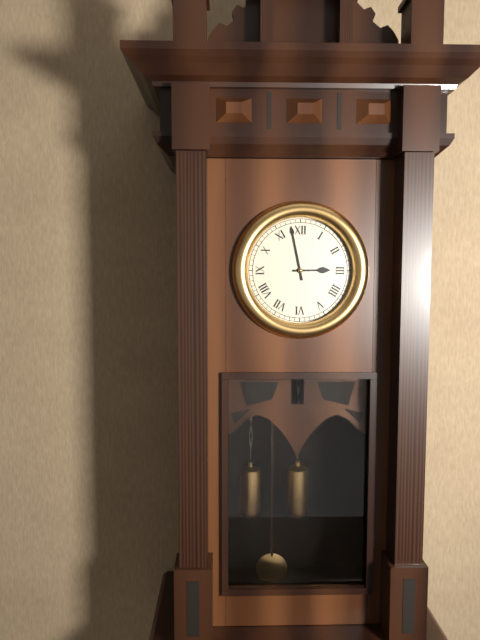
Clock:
2:58
